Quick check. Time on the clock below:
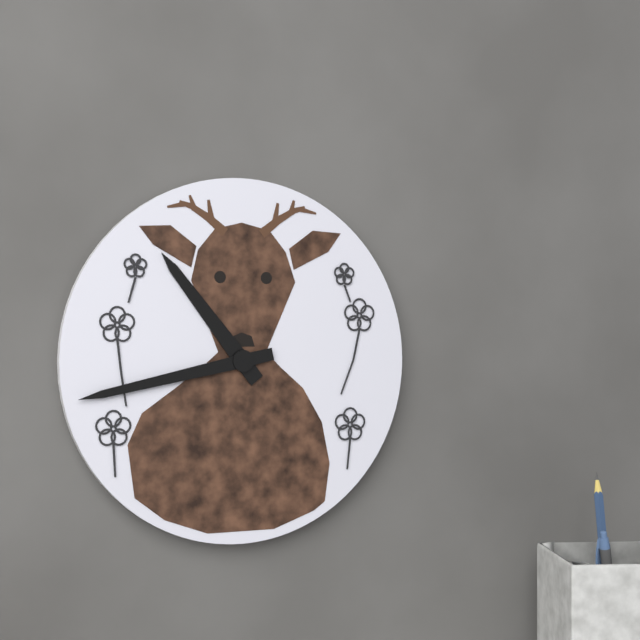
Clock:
10:43
